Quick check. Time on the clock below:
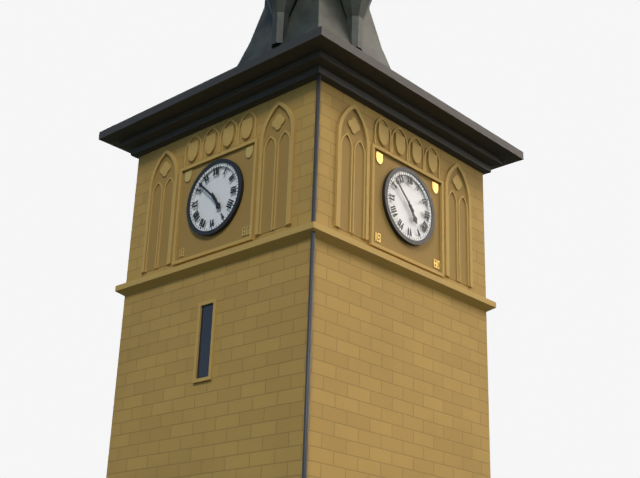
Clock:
4:52
